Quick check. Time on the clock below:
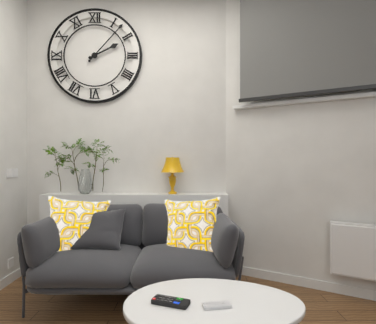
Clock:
2:07
